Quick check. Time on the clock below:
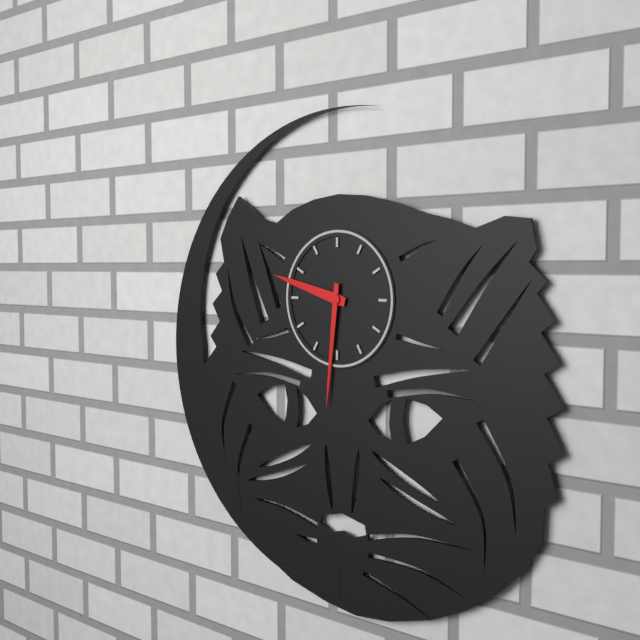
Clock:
9:31
